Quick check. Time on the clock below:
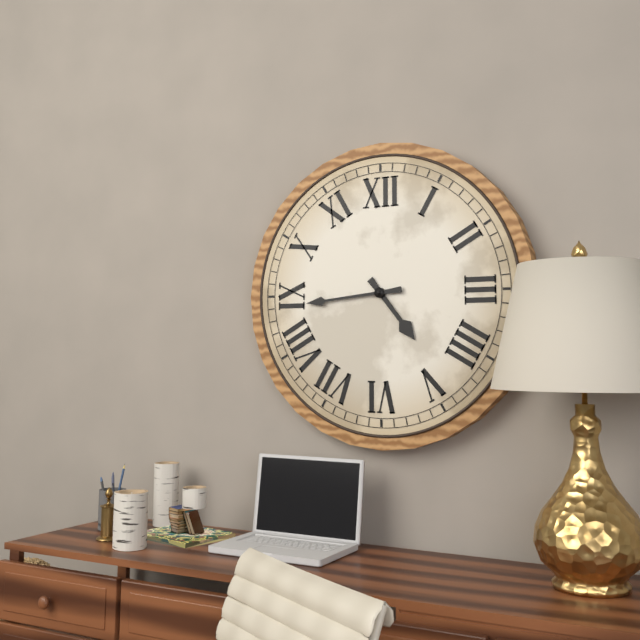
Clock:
4:44
